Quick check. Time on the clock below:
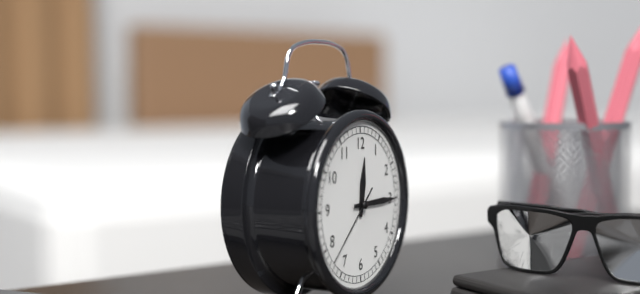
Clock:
12:15:38
